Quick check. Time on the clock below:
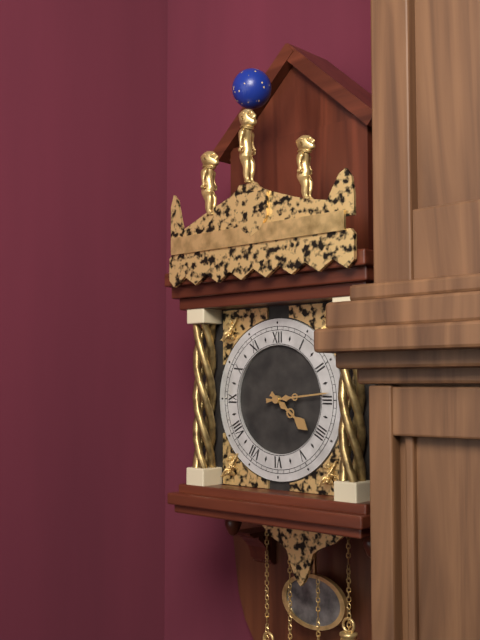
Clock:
4:14
